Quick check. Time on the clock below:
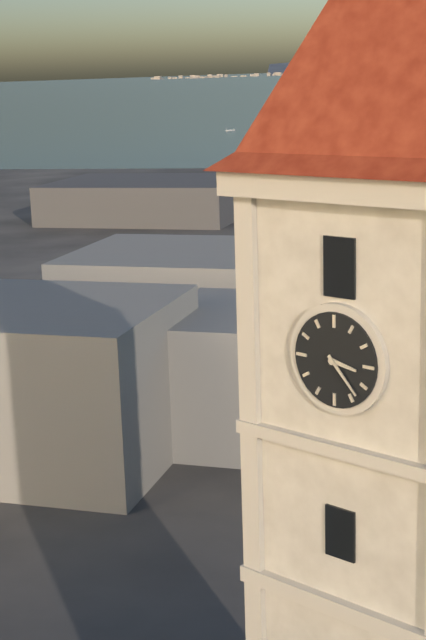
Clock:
3:23
